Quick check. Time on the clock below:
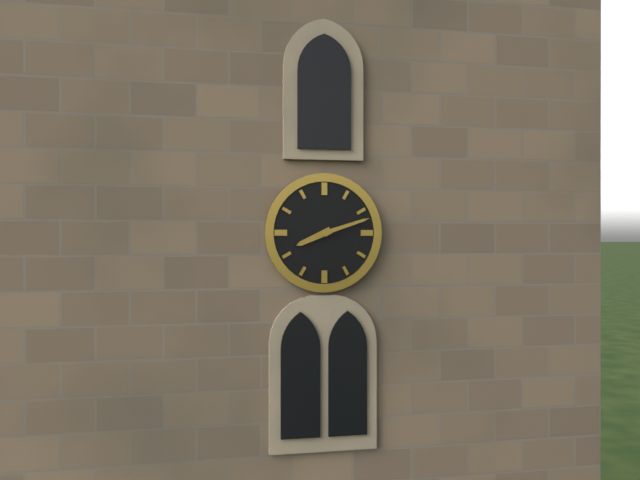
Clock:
8:12
